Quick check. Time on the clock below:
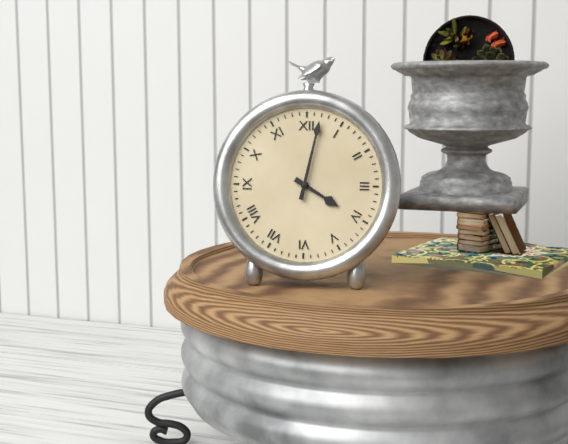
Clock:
4:02
